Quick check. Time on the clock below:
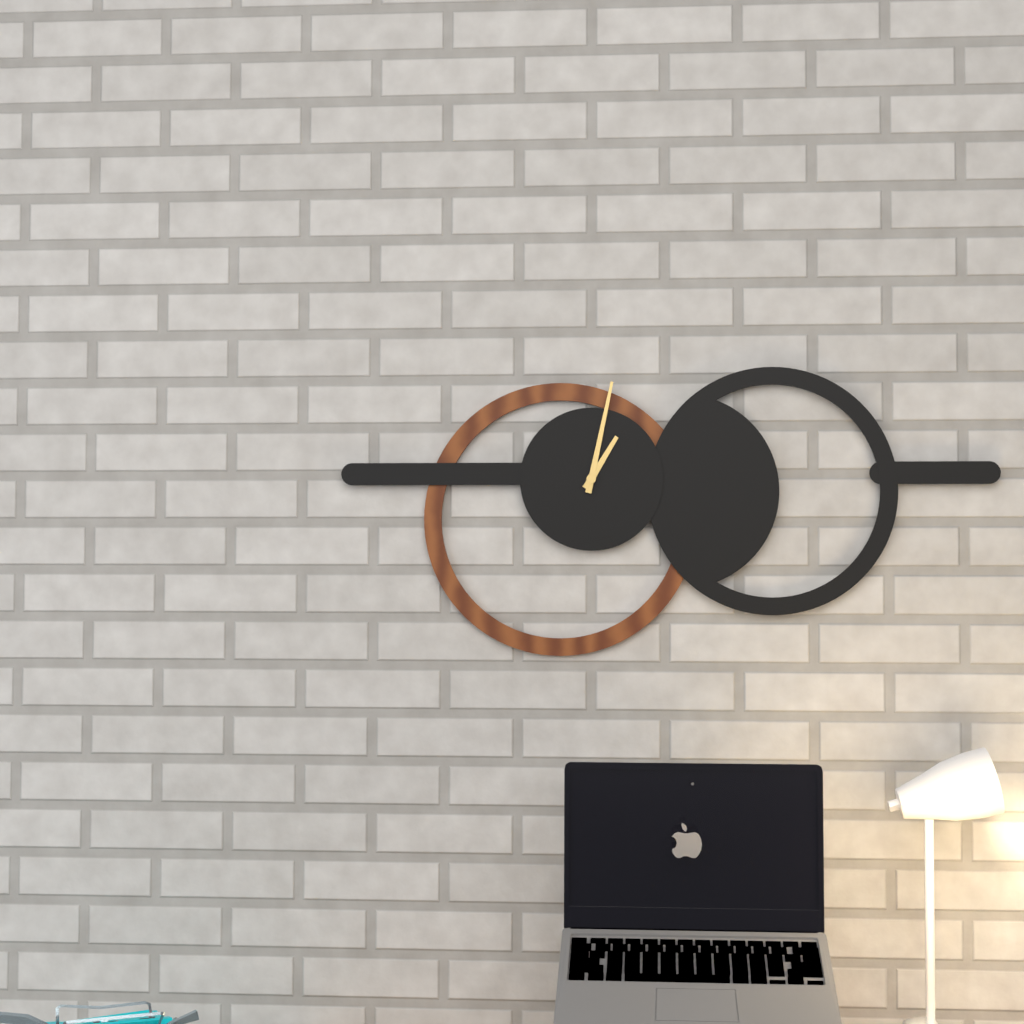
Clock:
1:02
